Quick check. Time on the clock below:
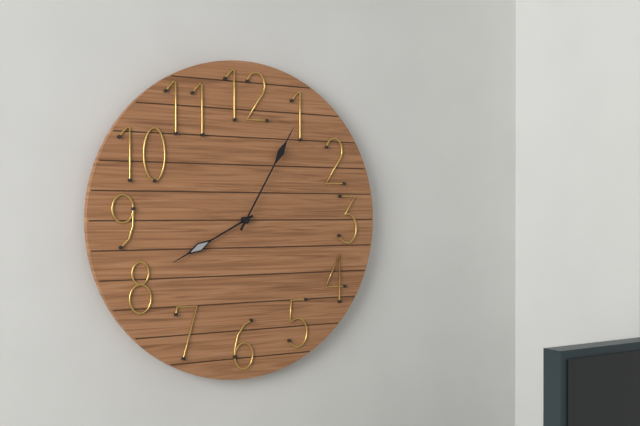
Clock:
8:05
